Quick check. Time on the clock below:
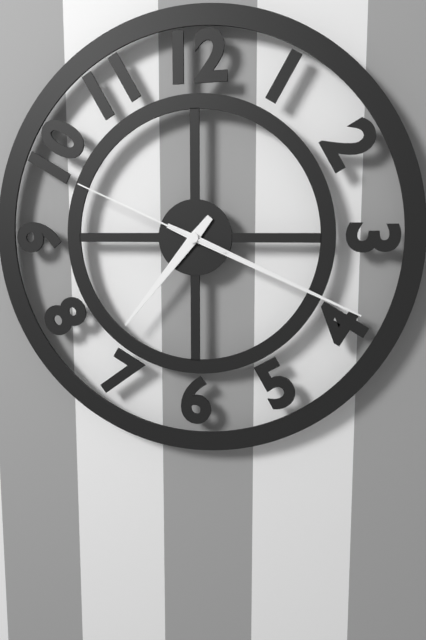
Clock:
7:19:49
